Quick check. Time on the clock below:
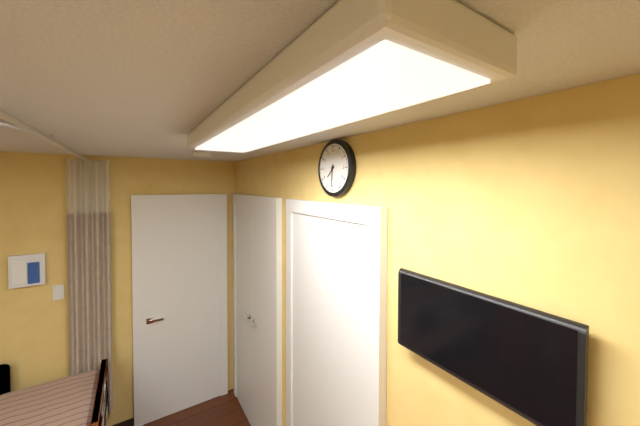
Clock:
7:31
